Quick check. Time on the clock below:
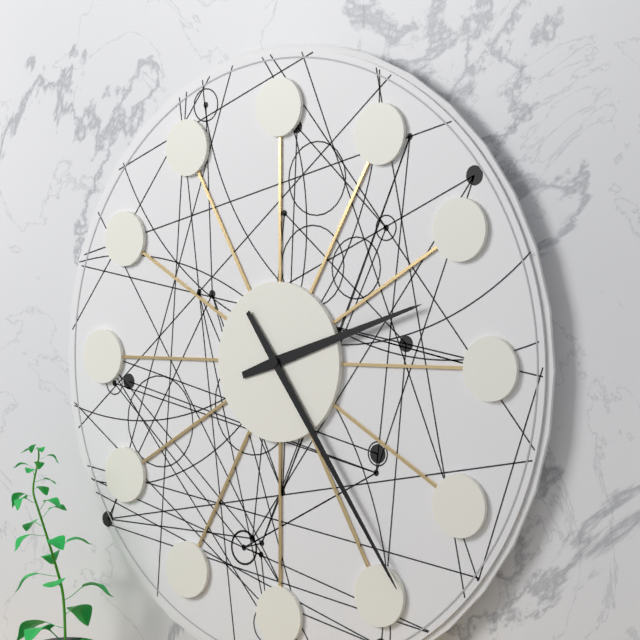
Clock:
2:24
